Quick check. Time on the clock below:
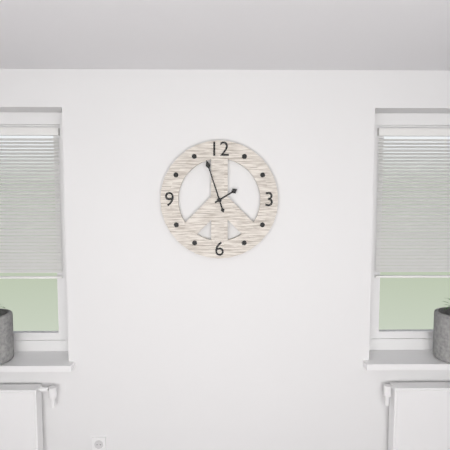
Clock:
1:57
